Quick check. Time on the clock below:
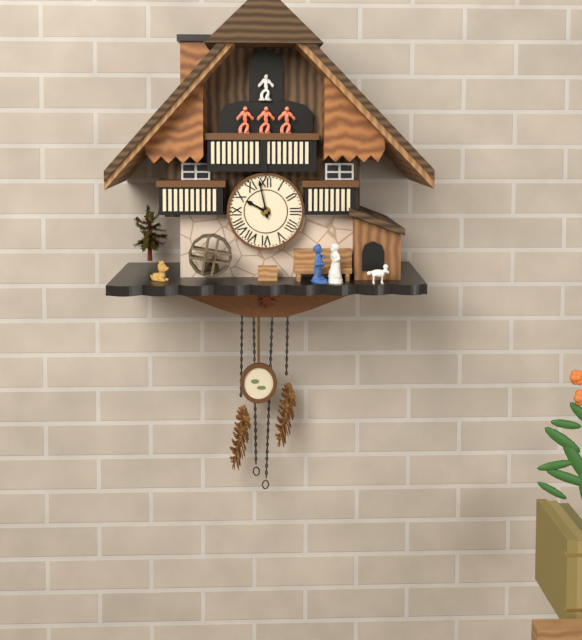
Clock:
9:58
